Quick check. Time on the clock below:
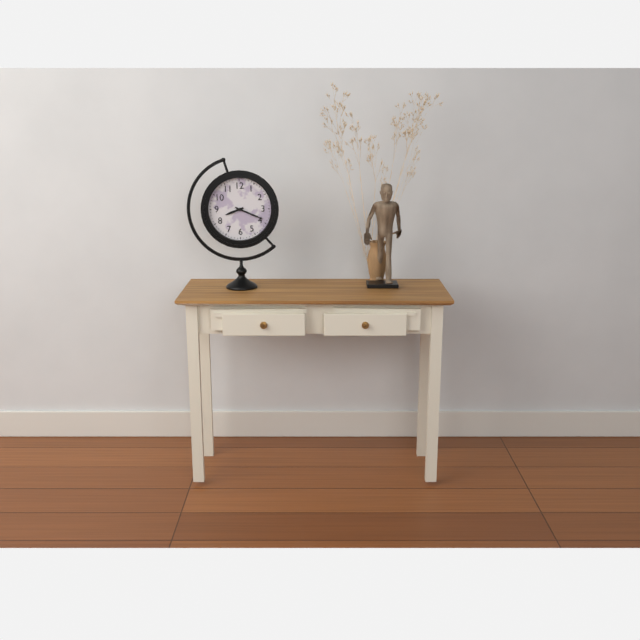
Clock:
8:19
